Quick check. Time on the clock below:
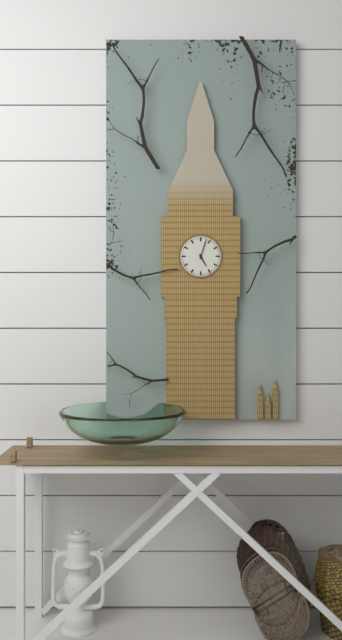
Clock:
5:03
